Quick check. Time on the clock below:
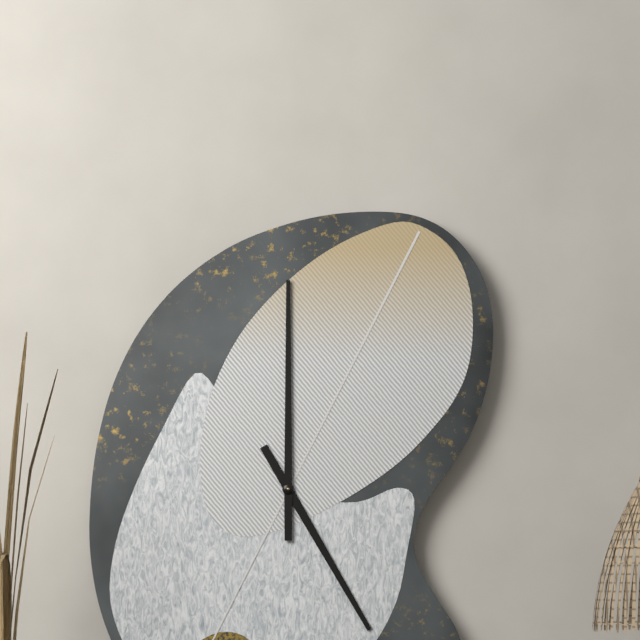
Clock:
5:00
